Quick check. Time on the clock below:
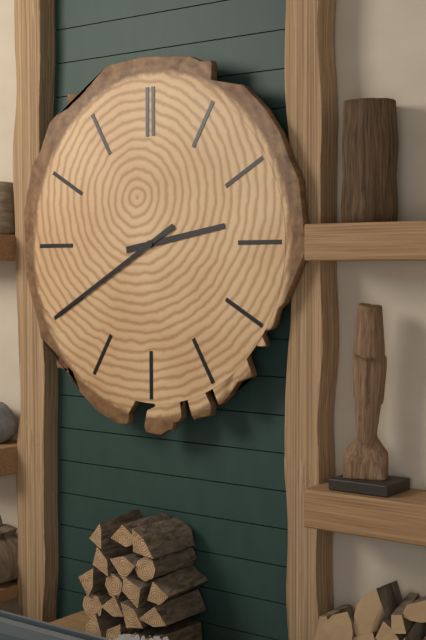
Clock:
2:40
